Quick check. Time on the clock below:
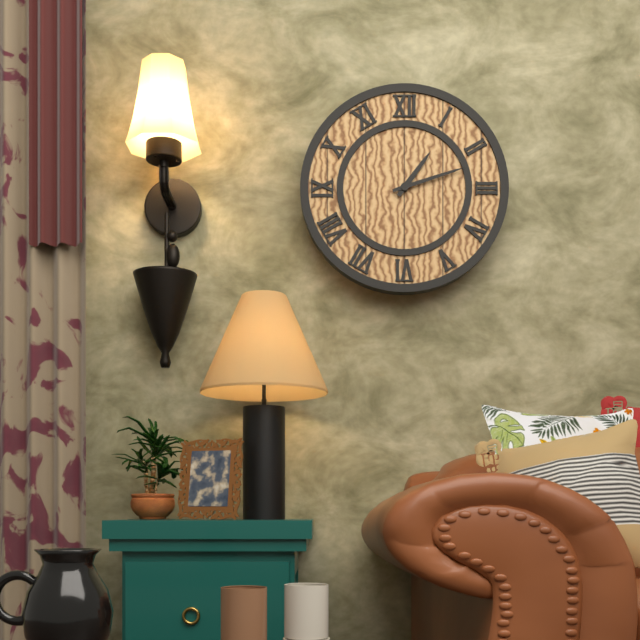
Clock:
1:12
